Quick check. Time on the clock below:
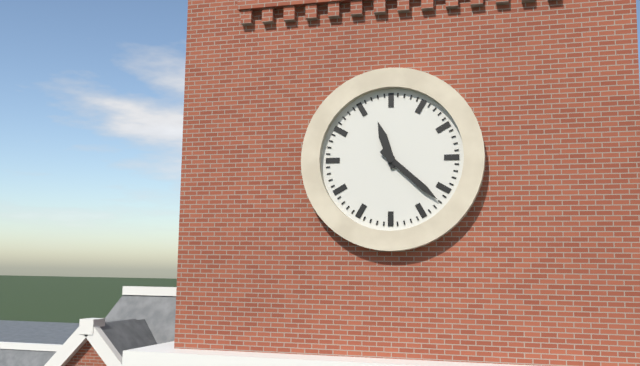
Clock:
11:22
